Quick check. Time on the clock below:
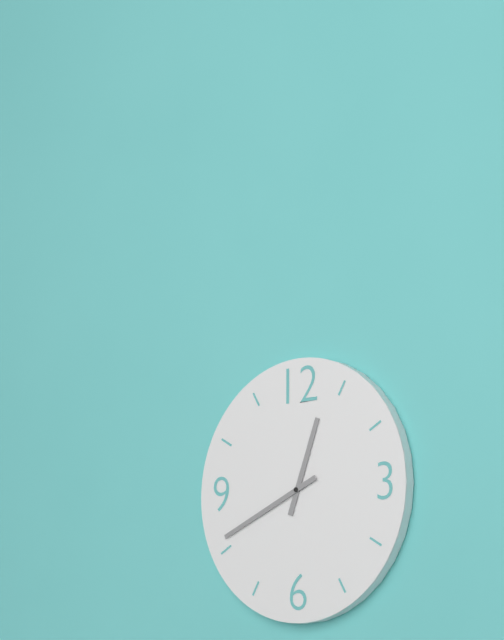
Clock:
12:41
